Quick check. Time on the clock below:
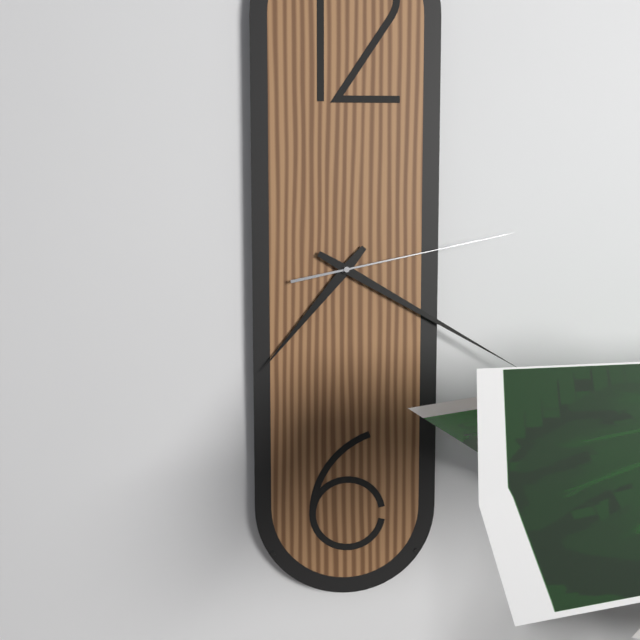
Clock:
7:20:13
